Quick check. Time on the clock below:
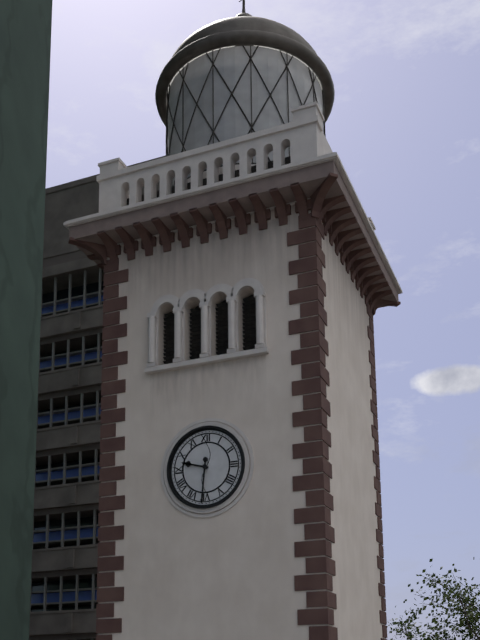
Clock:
9:31
